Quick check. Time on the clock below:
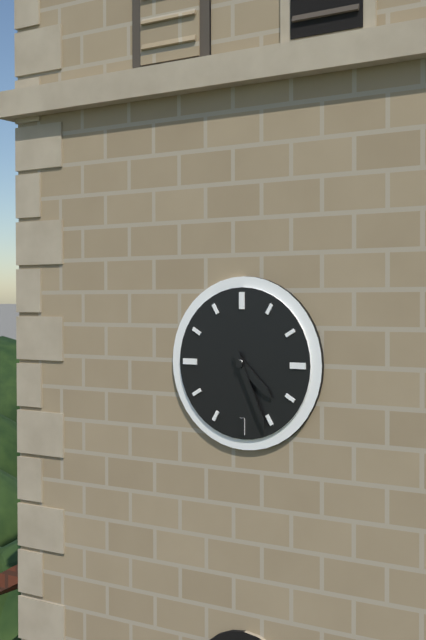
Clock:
4:26
